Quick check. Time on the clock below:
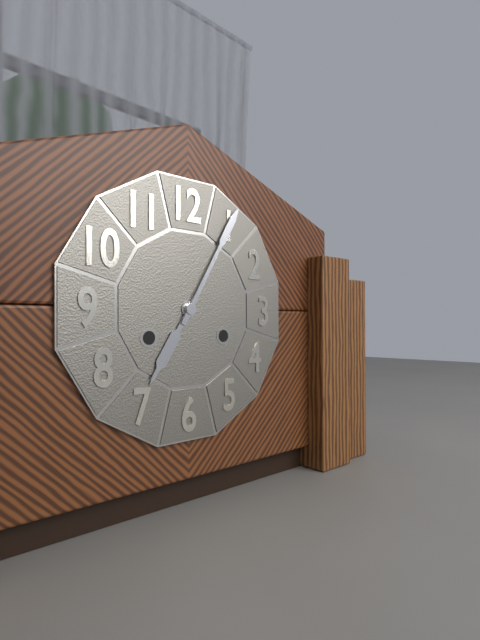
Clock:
7:05
